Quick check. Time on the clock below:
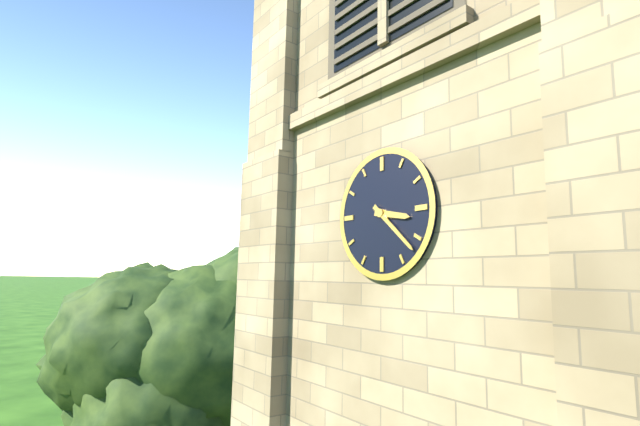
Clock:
3:22
